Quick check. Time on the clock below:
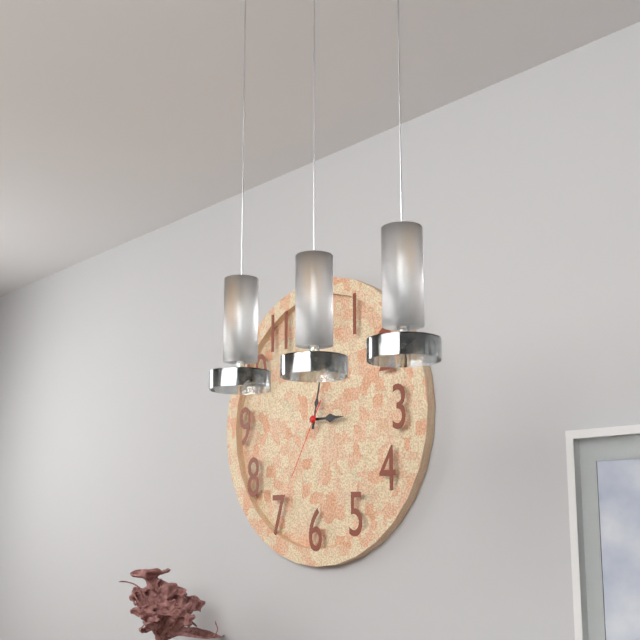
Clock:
3:02:35
